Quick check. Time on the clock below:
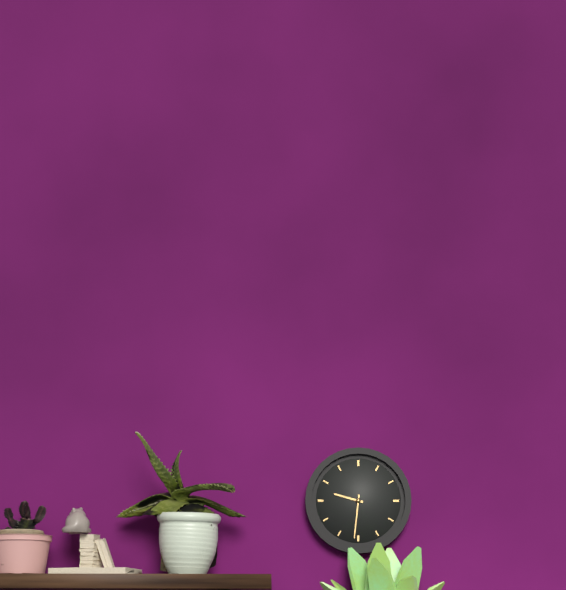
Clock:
9:31
